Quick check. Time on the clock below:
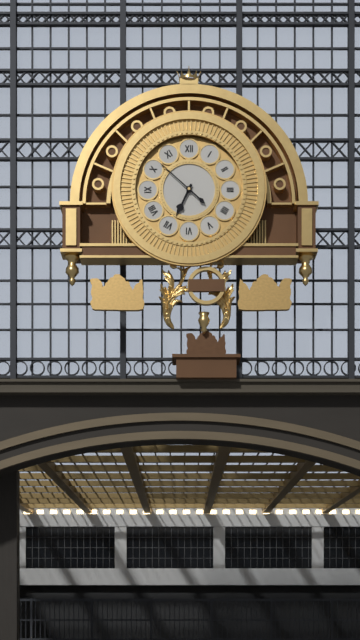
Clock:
6:52
